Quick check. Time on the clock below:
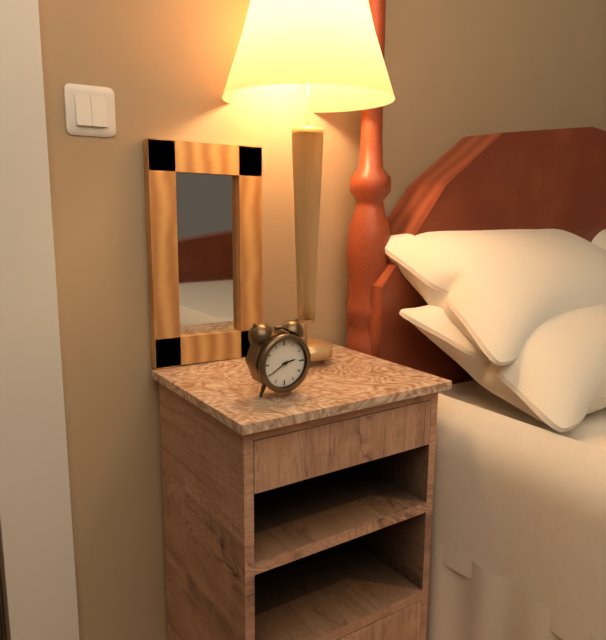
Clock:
2:40
